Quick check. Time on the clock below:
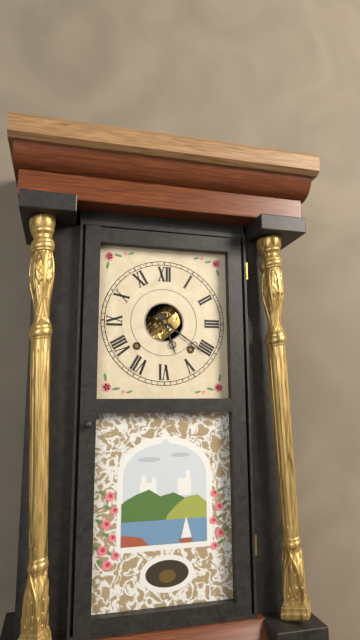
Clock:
5:21
